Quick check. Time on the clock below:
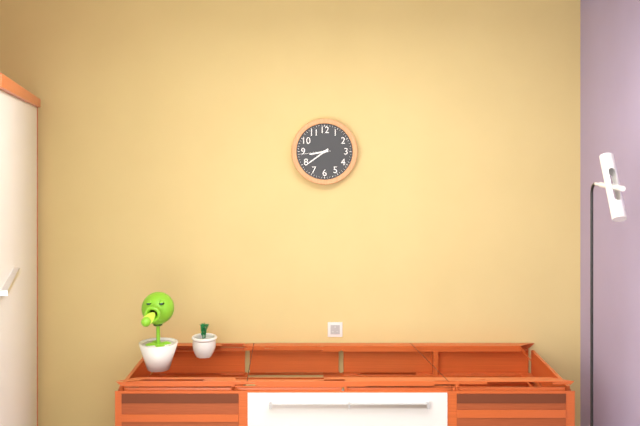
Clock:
8:39
